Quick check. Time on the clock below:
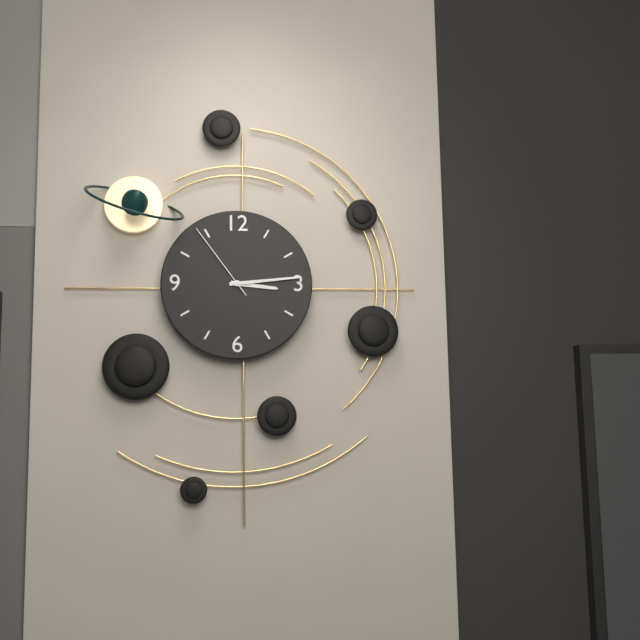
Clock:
3:14:54
